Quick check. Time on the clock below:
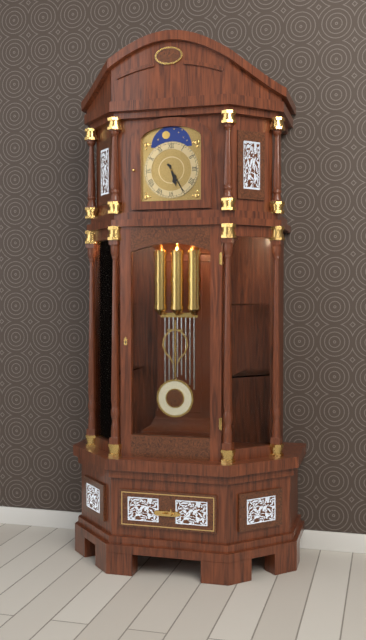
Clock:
5:25
